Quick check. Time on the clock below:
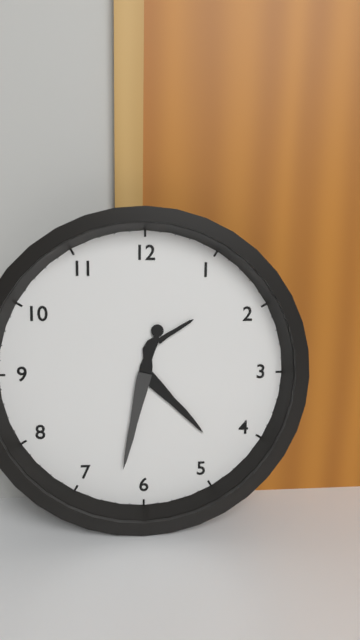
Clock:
4:32
